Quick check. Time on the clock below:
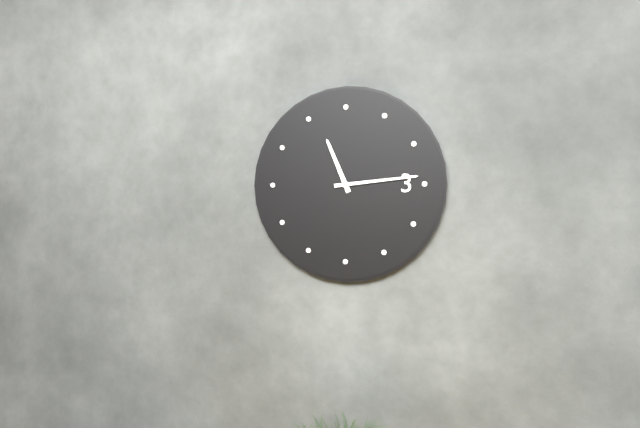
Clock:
11:14
